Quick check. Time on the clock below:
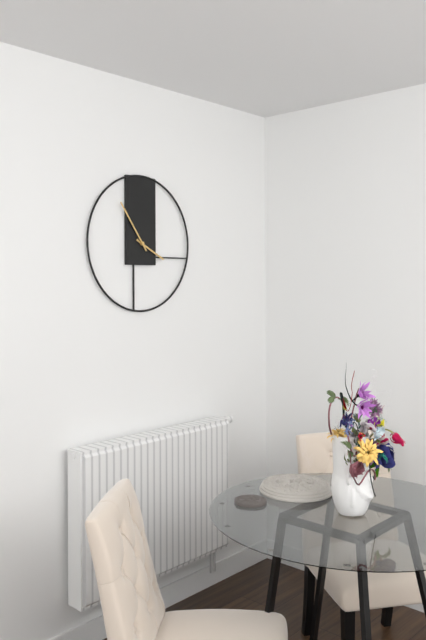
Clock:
3:54
